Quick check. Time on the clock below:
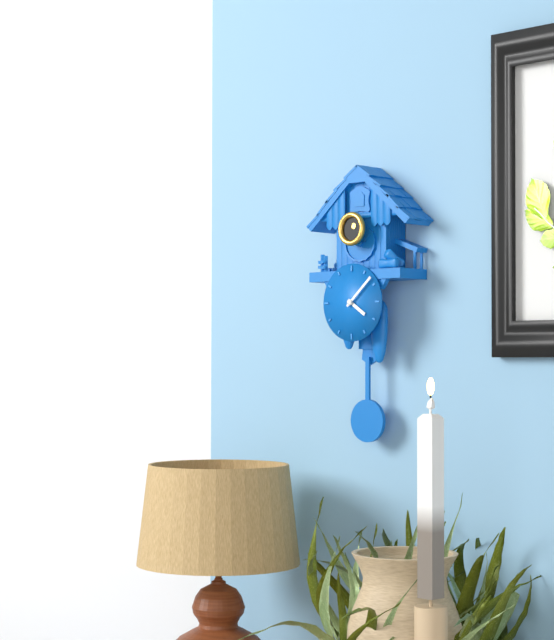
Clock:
4:08
